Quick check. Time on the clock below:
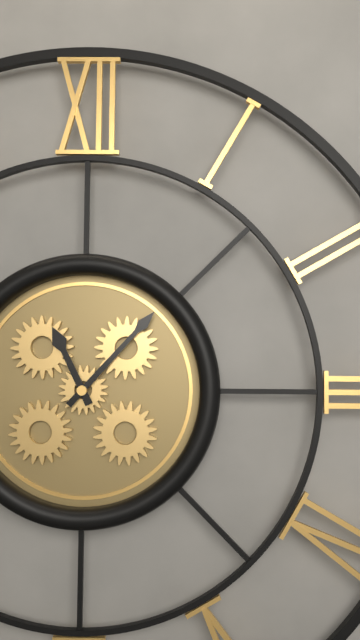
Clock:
11:07
